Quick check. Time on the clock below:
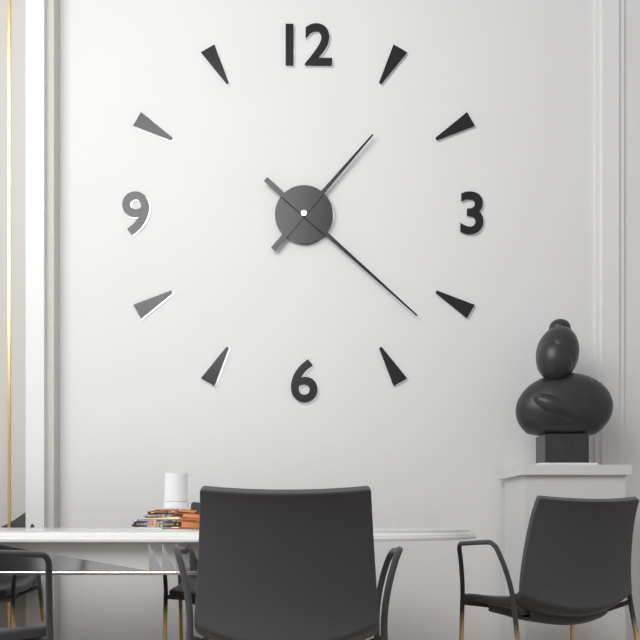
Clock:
1:22
